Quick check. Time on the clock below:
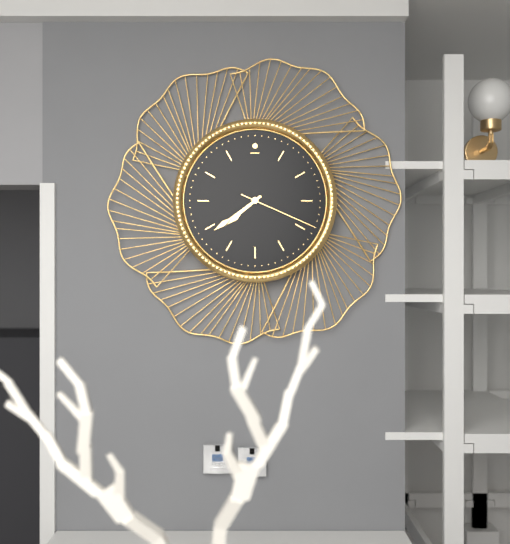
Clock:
7:39:19
